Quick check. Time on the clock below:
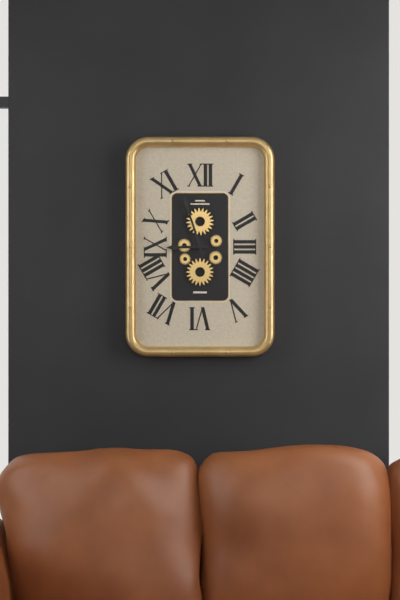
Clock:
8:57
